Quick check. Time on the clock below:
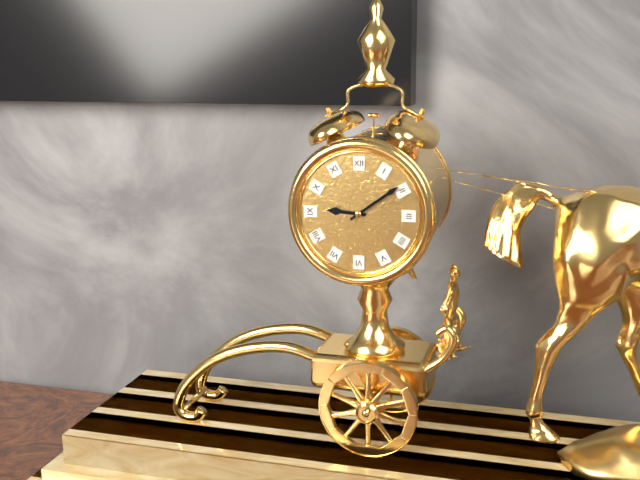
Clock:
9:09
